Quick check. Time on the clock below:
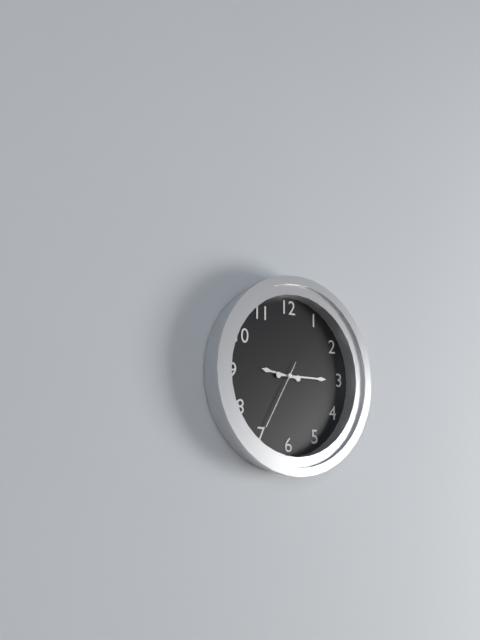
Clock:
9:15:35
